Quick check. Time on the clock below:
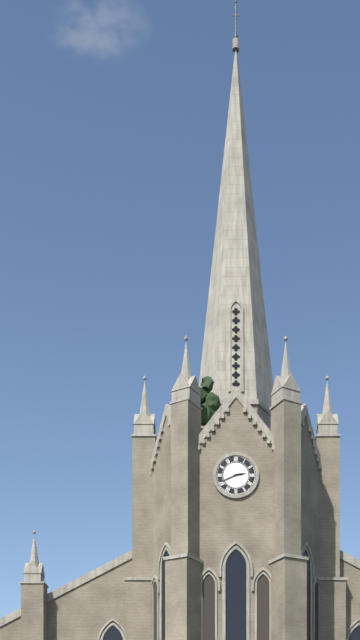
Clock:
2:41
